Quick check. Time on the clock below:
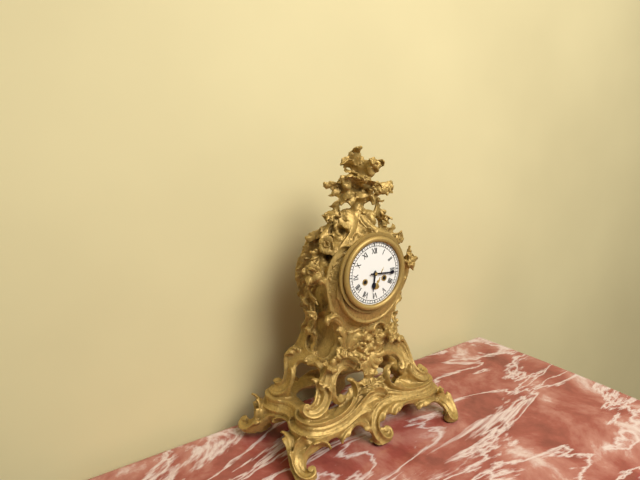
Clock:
6:16
